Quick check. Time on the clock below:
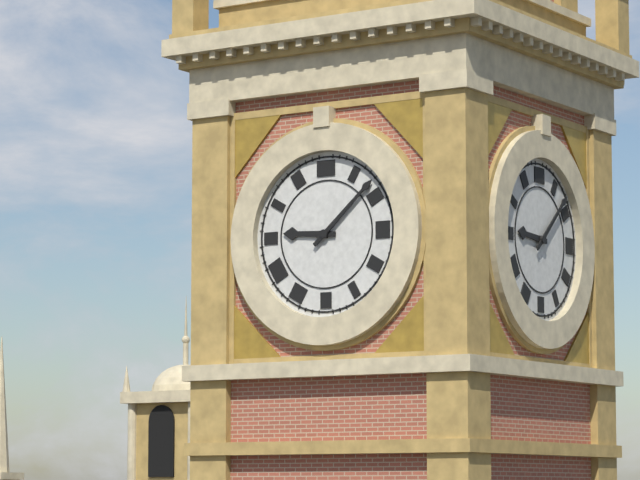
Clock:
9:08
